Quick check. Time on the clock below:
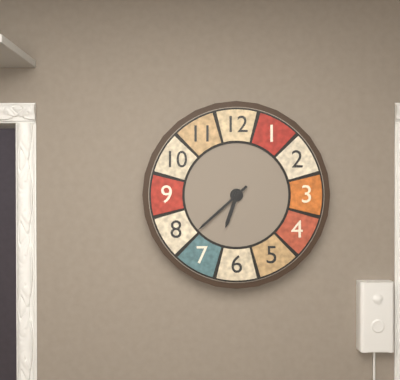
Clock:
6:38
